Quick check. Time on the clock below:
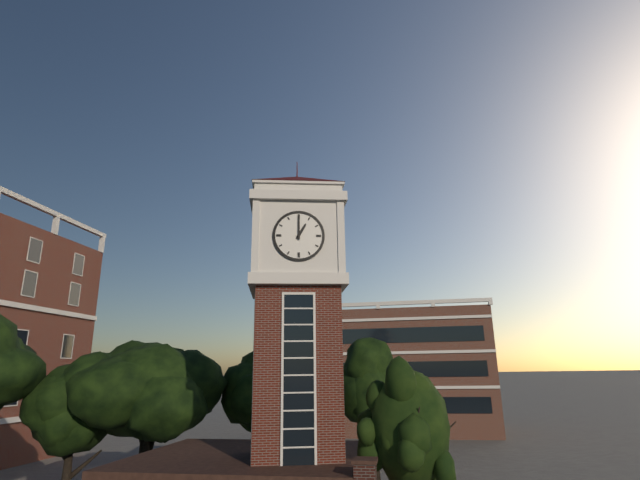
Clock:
1:00
